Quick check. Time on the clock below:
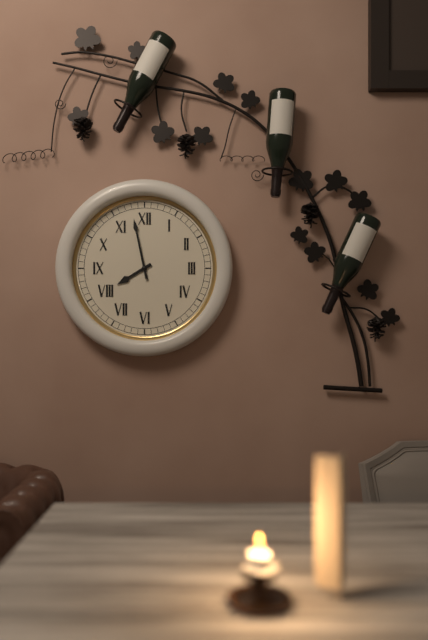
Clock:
7:58
